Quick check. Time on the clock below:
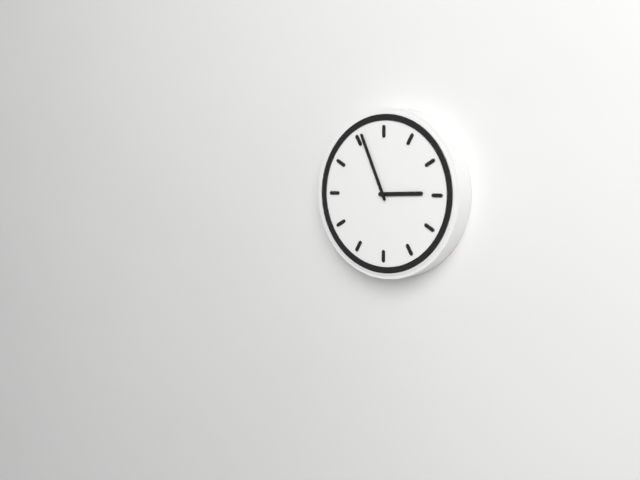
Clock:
2:56
